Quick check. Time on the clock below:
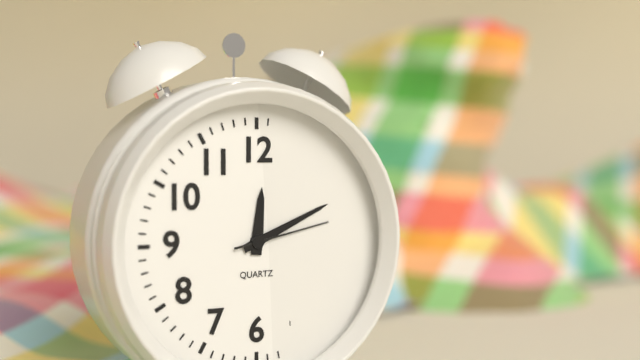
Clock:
12:11:13
